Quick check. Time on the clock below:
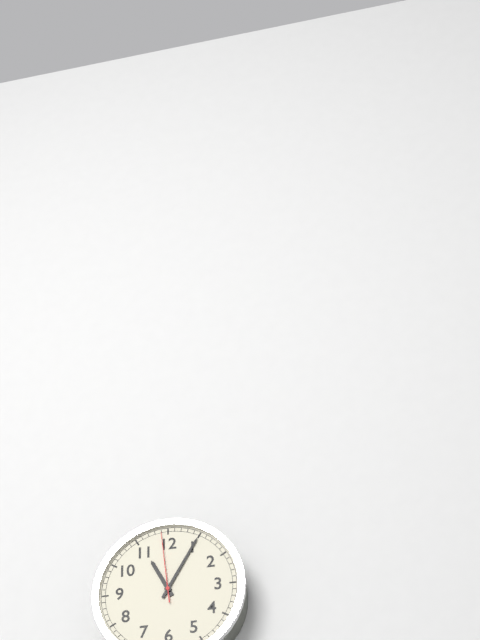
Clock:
11:05:59
